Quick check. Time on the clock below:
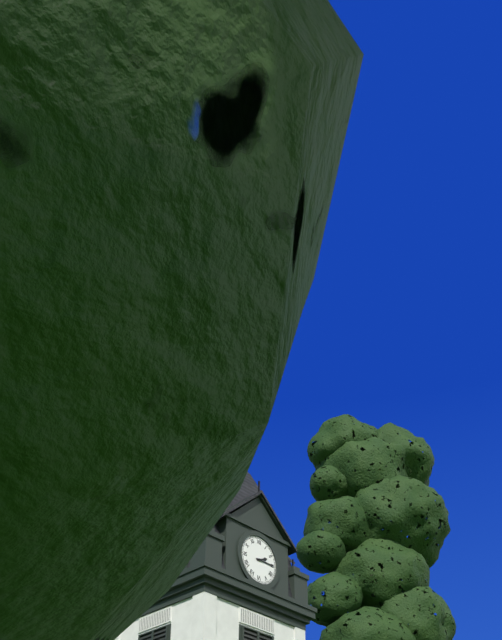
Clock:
2:15
